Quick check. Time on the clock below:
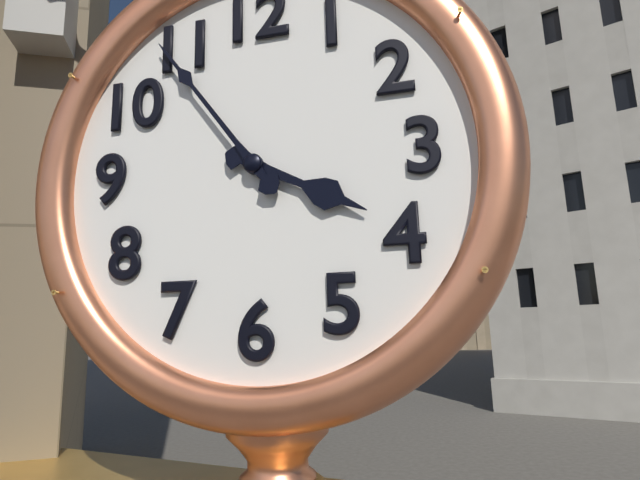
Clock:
3:54
